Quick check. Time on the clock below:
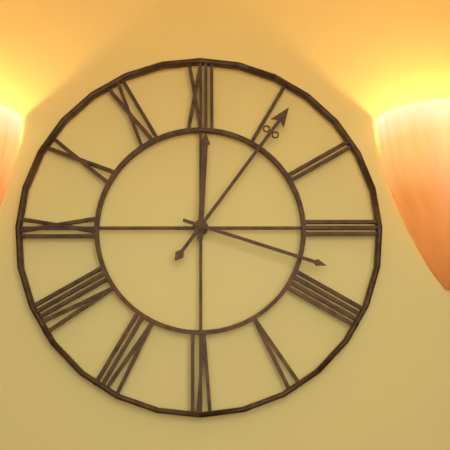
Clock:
12:06:18
